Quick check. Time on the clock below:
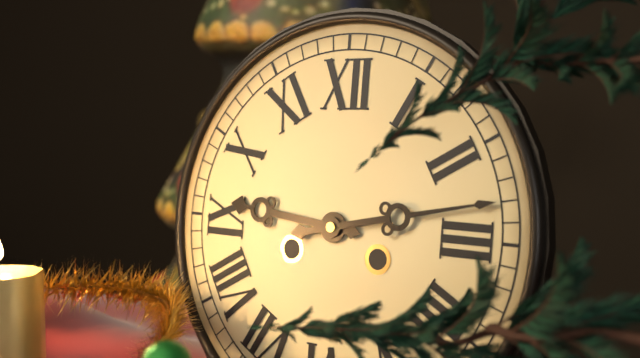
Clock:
9:13
